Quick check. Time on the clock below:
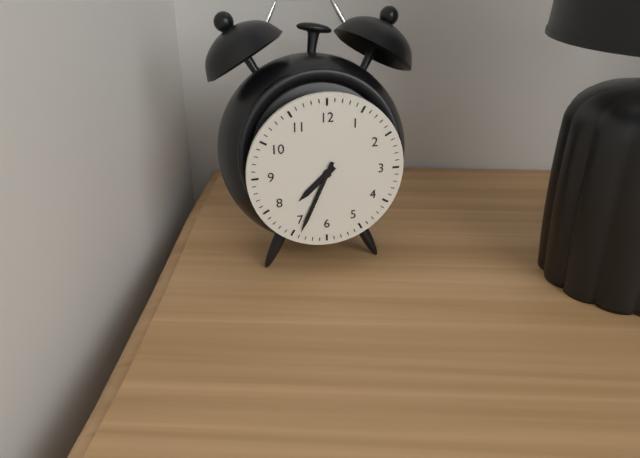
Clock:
7:34
